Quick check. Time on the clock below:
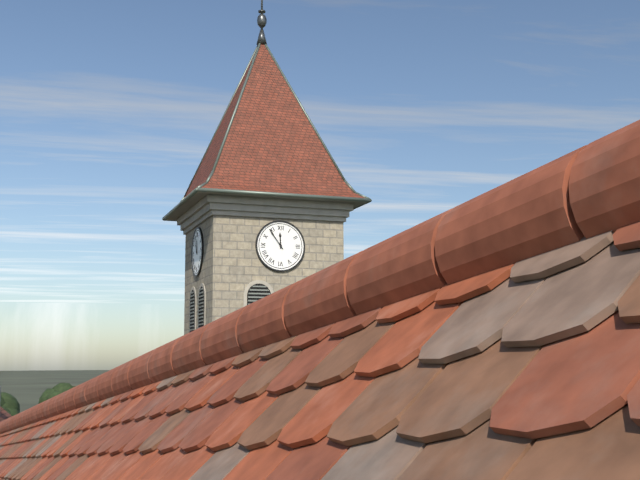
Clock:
11:54
